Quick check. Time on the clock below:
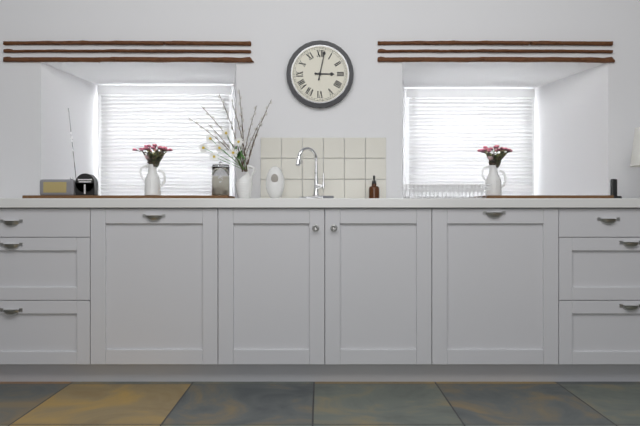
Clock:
3:02
